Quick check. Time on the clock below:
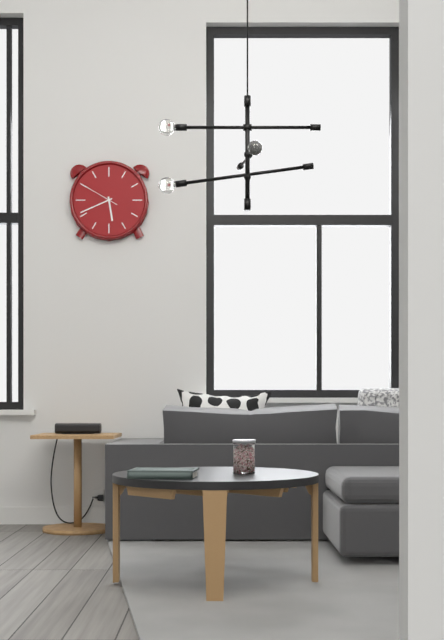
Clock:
5:41
